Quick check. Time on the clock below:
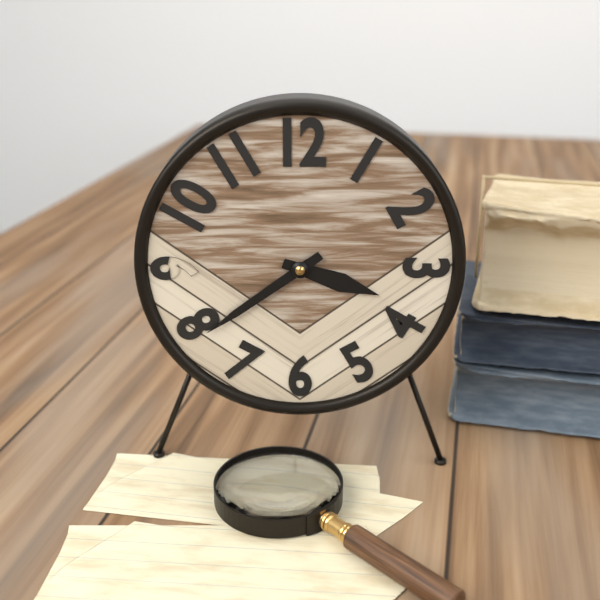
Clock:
3:39
